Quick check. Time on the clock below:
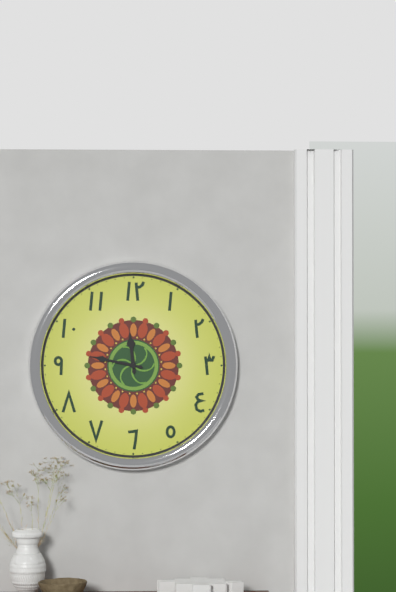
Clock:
11:47
